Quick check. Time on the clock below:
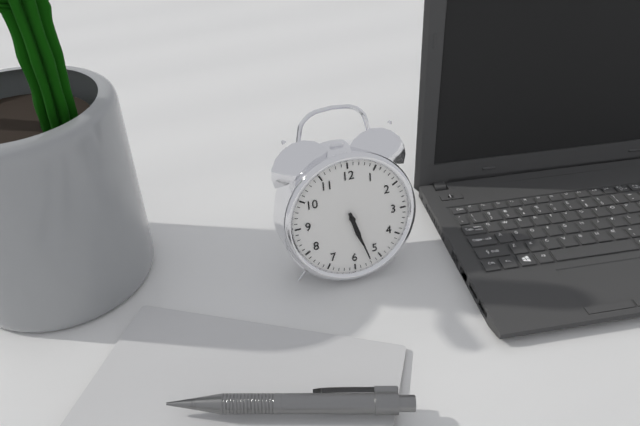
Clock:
5:27
